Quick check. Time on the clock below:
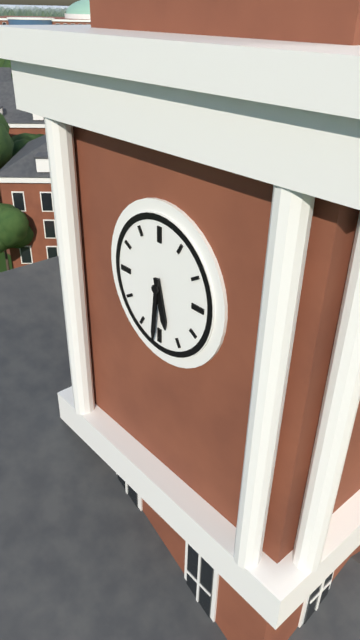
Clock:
5:31
